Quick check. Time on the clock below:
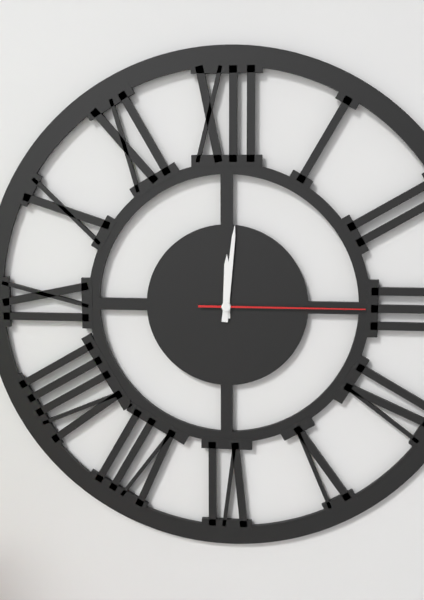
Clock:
12:01:15
